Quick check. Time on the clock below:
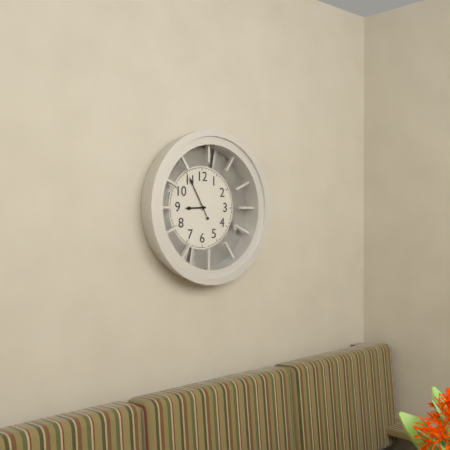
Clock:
8:55
